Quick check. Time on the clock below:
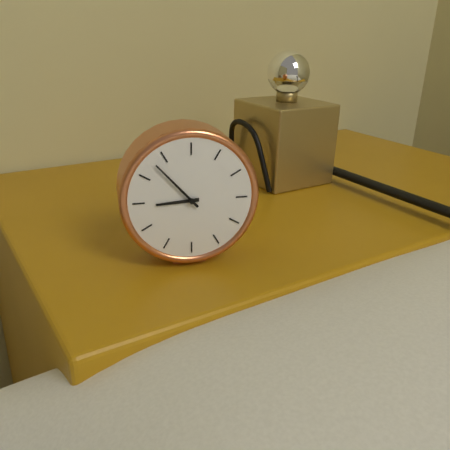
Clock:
8:53
